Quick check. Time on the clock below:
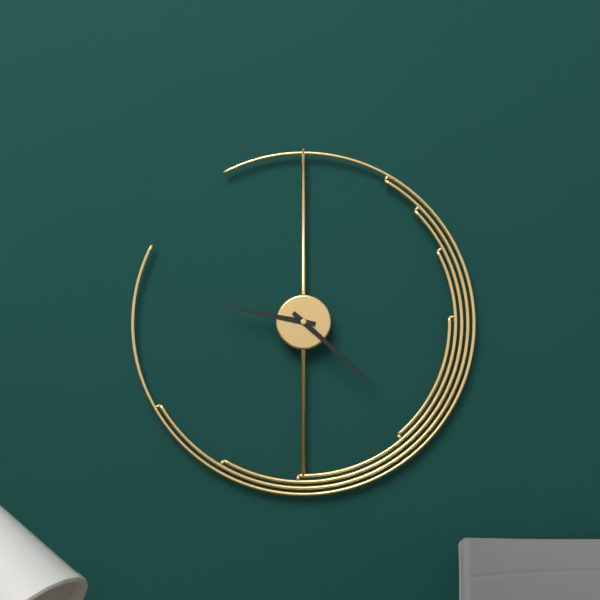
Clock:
9:22
